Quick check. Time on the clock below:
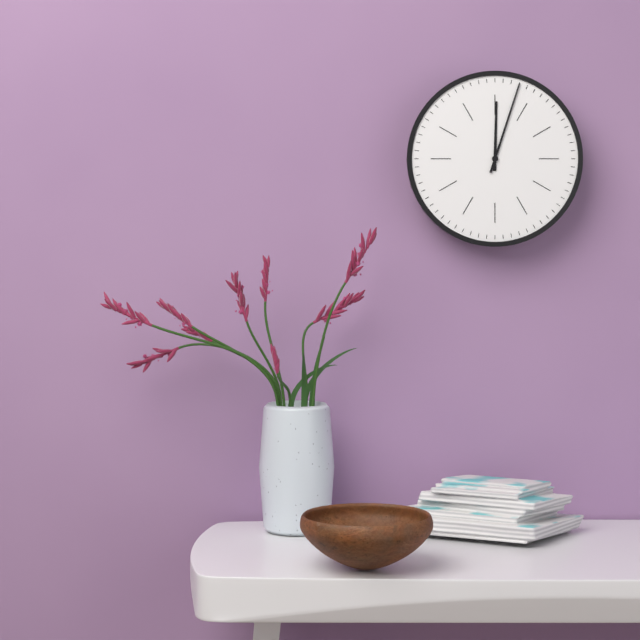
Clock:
12:03
